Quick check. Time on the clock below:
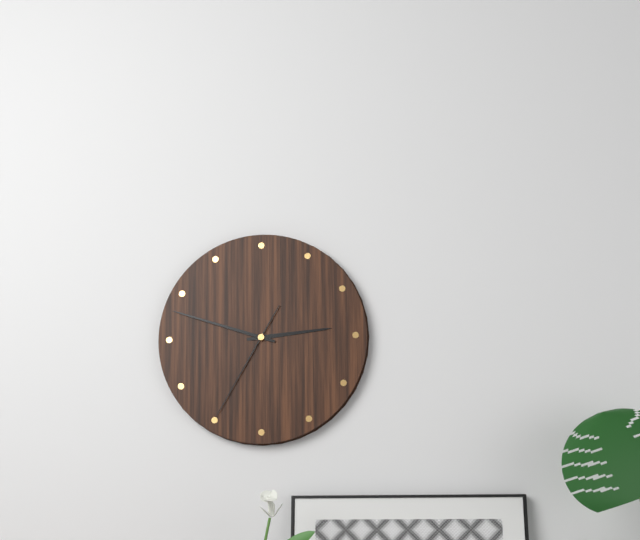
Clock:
2:48:35
